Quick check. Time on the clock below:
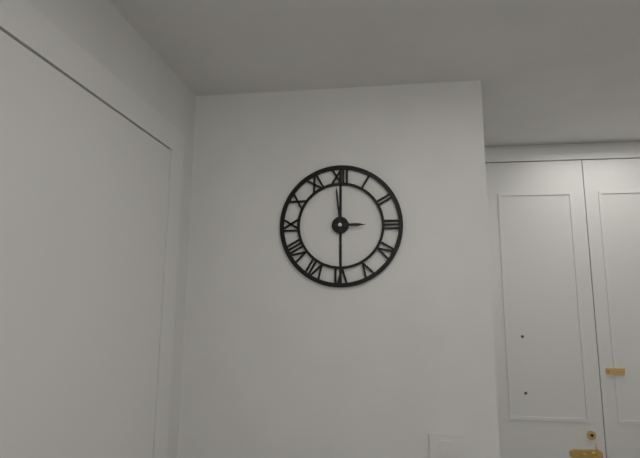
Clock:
2:59
